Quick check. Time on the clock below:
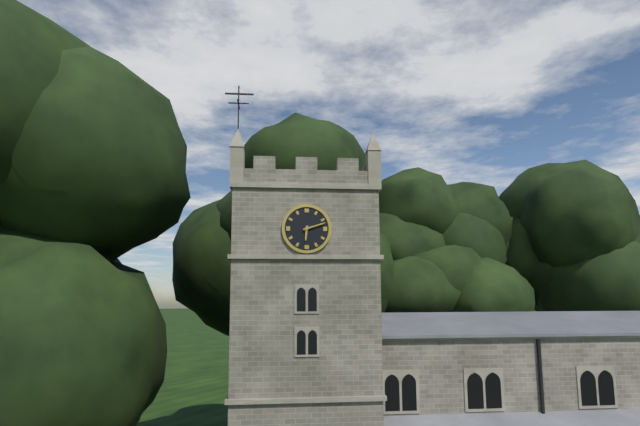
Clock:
6:12
